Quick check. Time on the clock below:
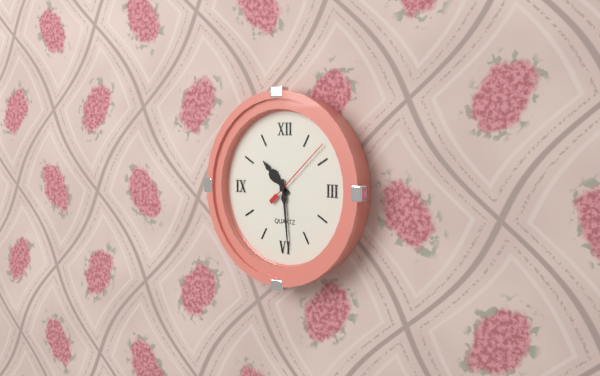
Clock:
10:29:08
